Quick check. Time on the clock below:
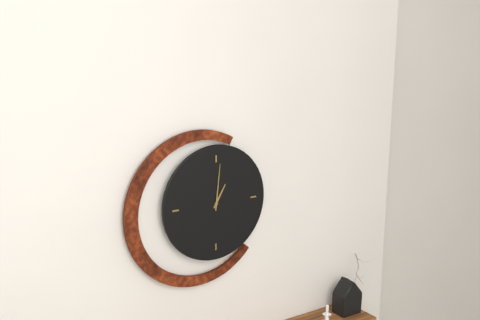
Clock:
1:01
